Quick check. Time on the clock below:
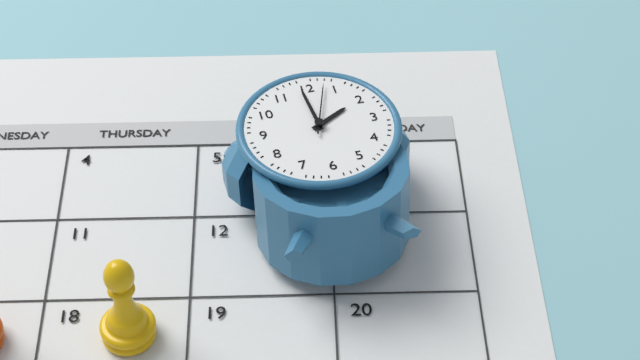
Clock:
1:59:03
